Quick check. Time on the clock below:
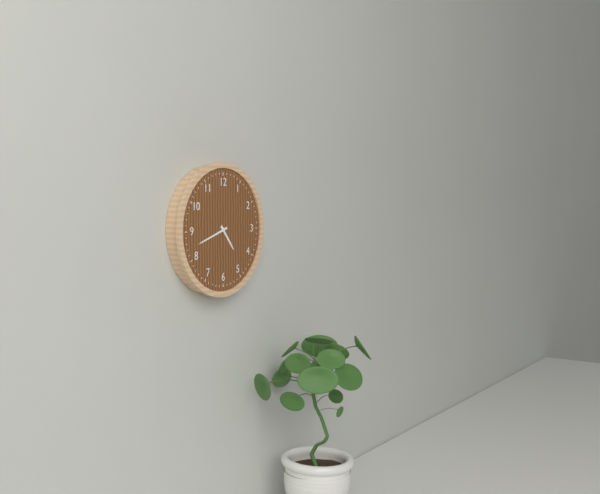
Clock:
4:42
